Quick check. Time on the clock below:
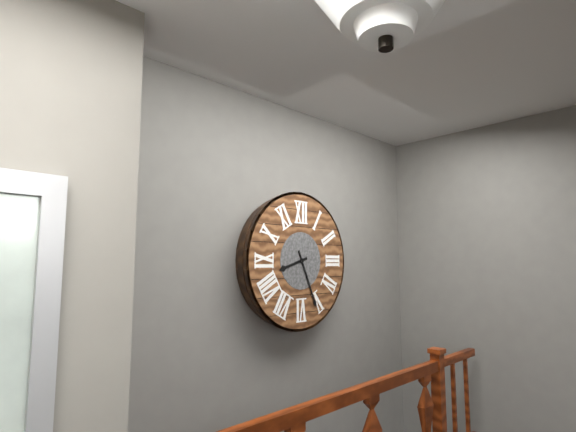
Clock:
8:26
